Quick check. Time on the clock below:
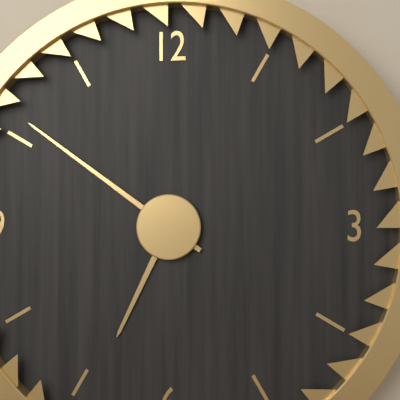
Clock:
6:51
